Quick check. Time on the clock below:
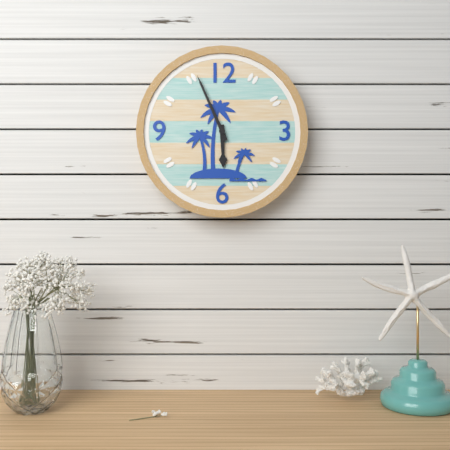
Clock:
5:56
